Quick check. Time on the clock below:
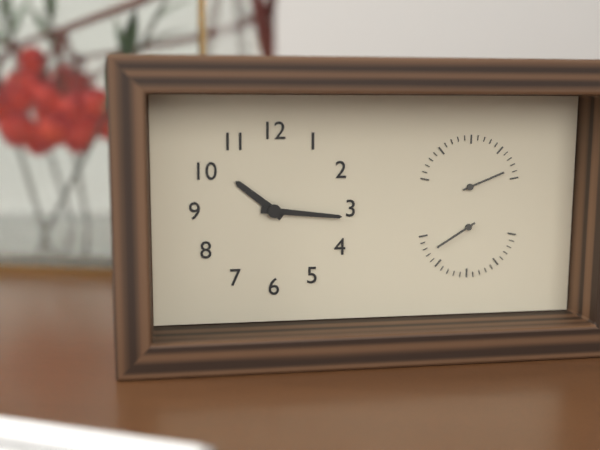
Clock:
10:16
